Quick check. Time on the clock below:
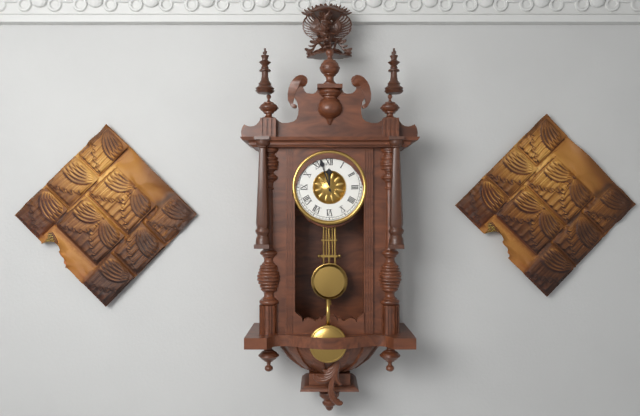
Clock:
11:57
